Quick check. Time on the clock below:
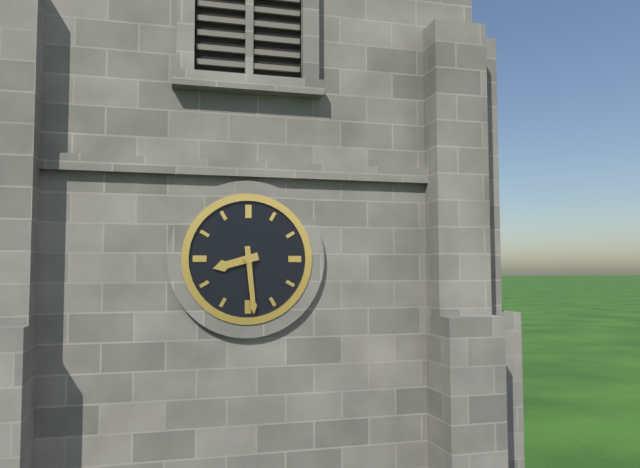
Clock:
8:29
